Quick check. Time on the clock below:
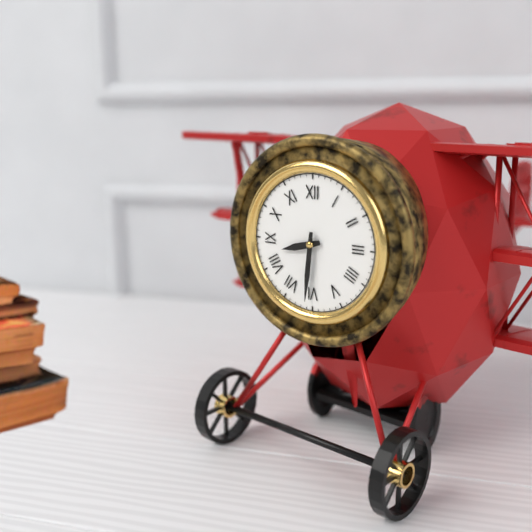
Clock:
8:31
